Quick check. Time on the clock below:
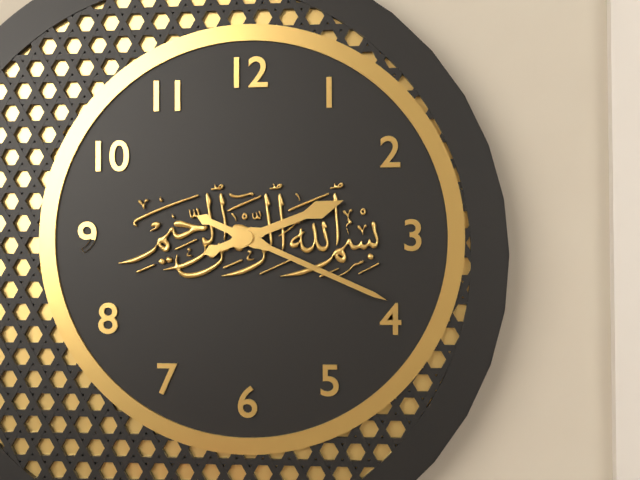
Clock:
2:19
